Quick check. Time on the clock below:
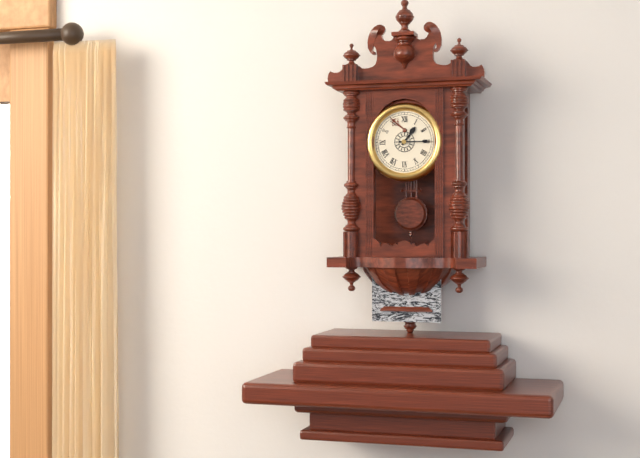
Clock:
1:15
